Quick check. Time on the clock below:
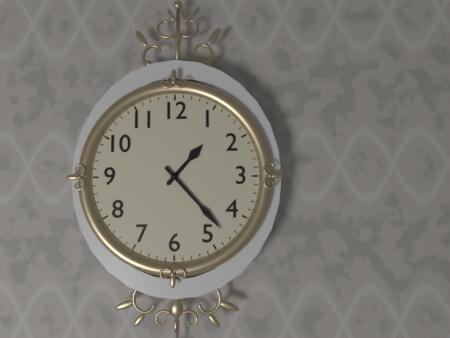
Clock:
1:23
